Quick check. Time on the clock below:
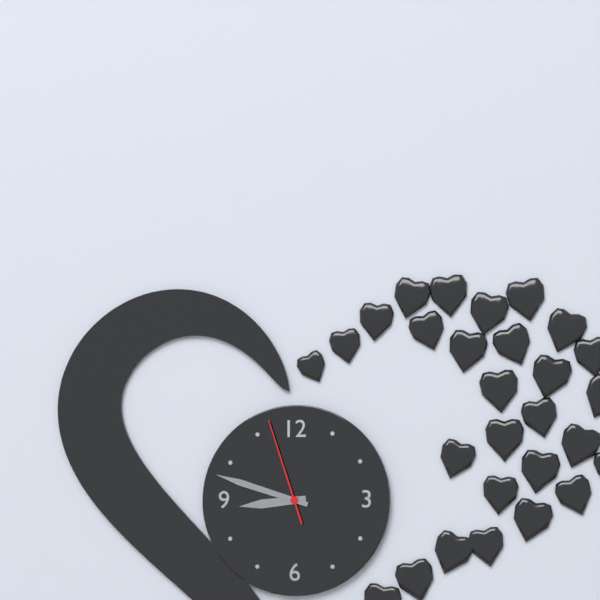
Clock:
8:48:57
